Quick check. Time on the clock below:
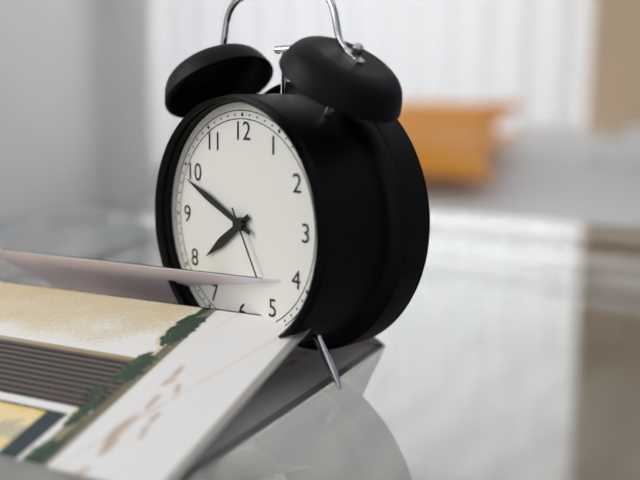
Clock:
7:49:25
